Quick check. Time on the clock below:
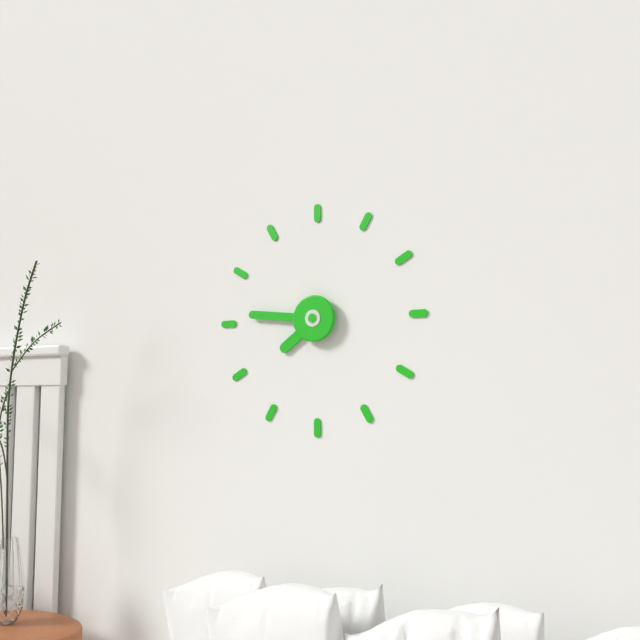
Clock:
7:46
